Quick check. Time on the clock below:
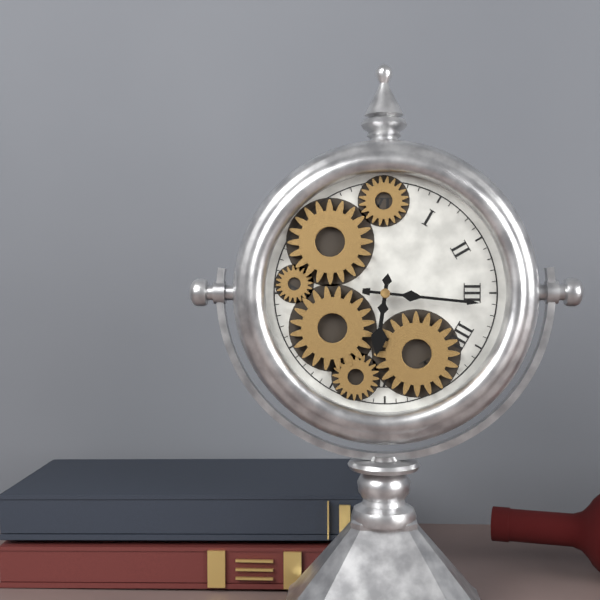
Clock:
6:16
